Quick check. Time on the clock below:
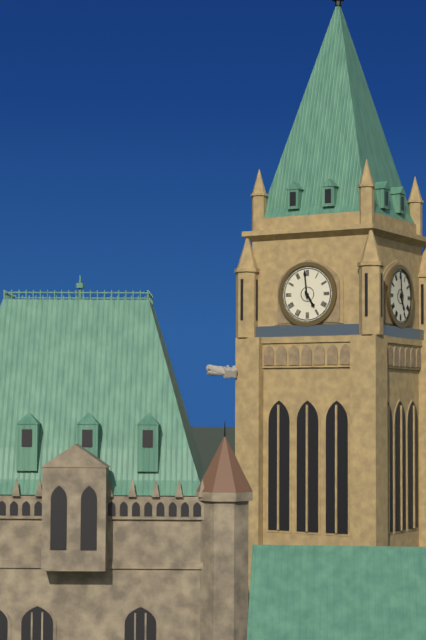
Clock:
4:59
